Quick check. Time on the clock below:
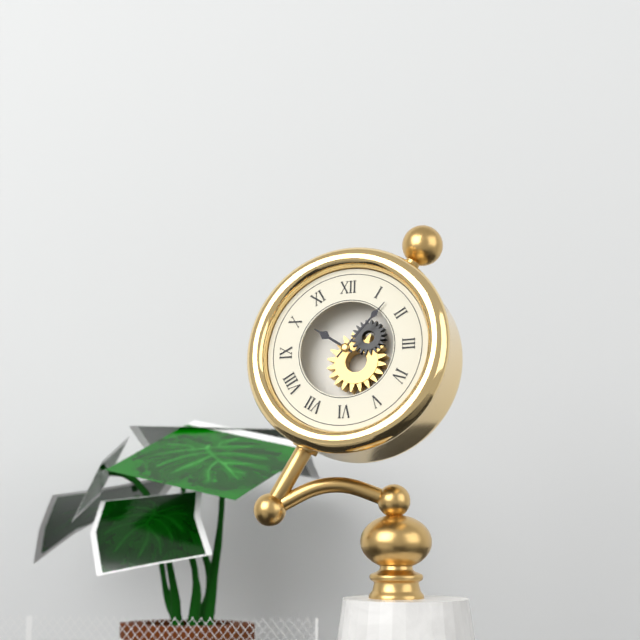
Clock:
10:07
